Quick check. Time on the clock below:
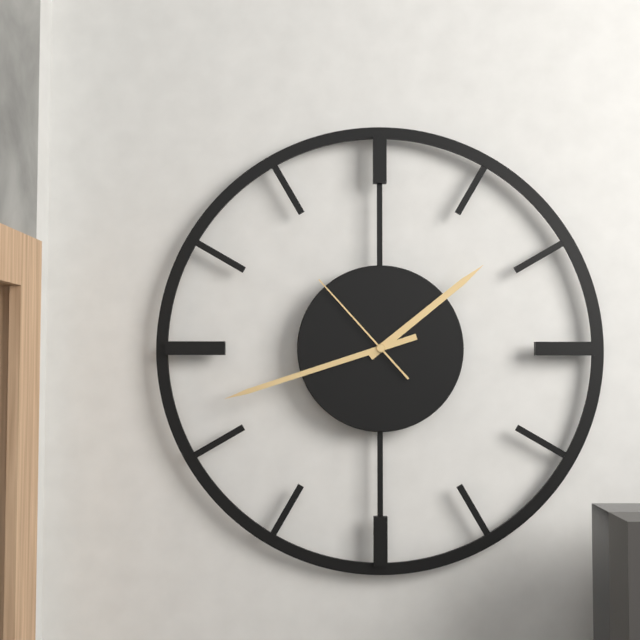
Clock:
1:42:53
